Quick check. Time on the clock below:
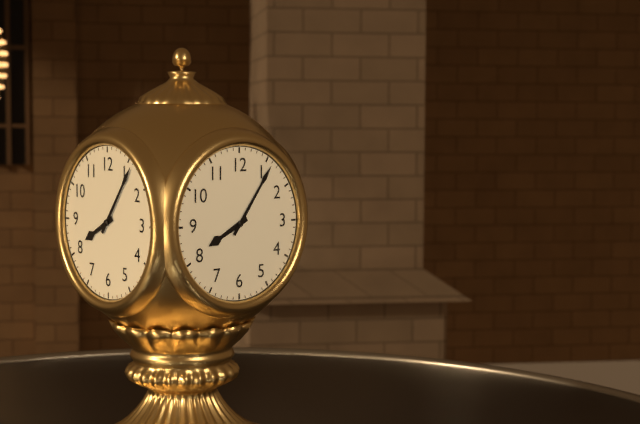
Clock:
8:06
